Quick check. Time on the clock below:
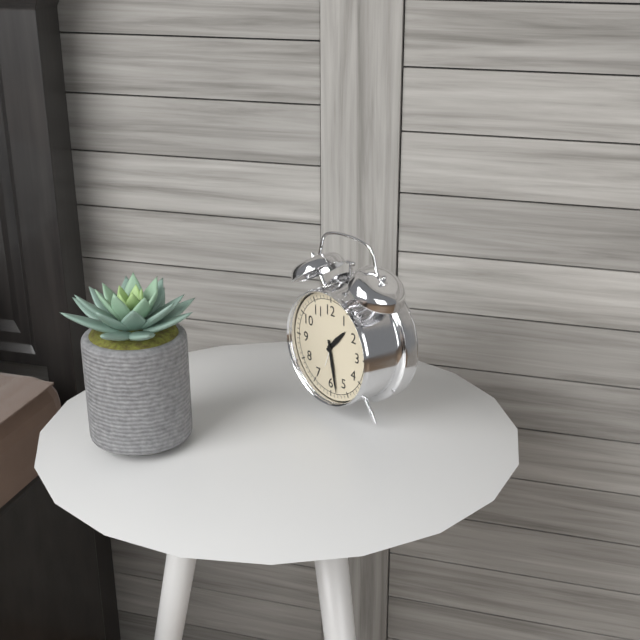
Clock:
1:28
